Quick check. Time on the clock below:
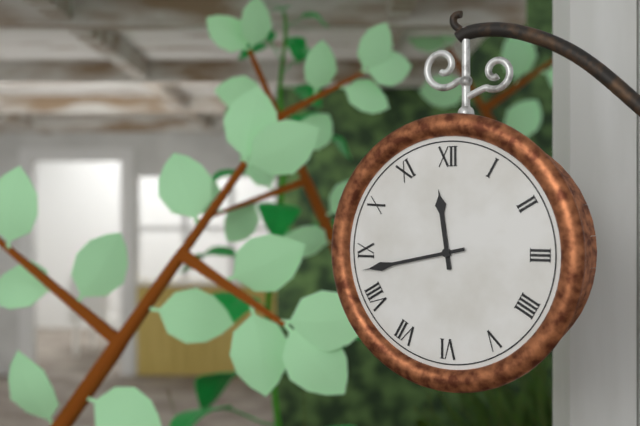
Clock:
11:43
